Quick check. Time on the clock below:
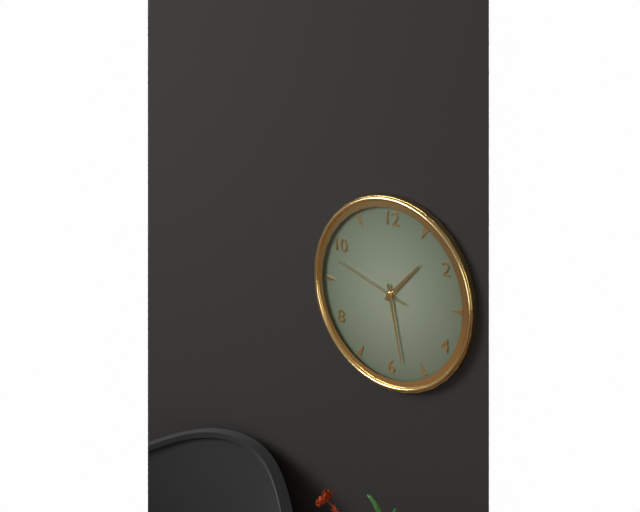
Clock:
1:28:48
